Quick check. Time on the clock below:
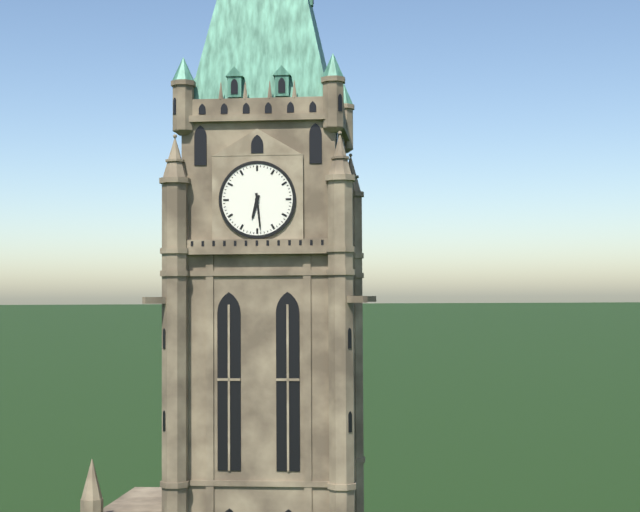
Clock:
6:29
